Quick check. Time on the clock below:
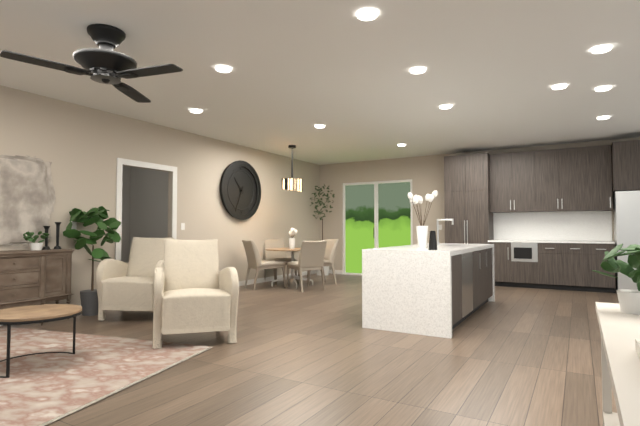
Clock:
10:34
